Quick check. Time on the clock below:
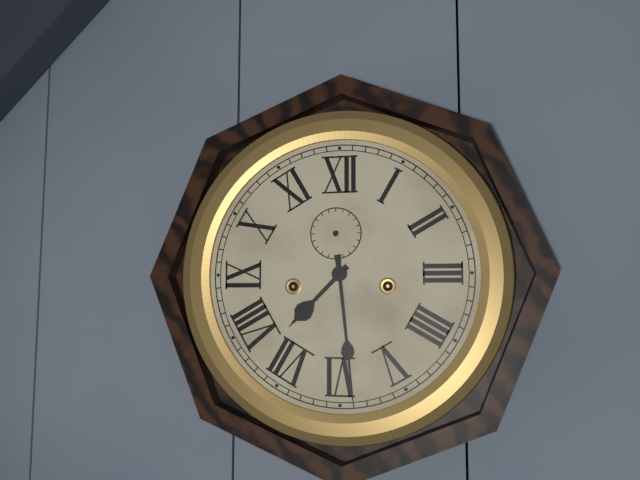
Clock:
7:29
